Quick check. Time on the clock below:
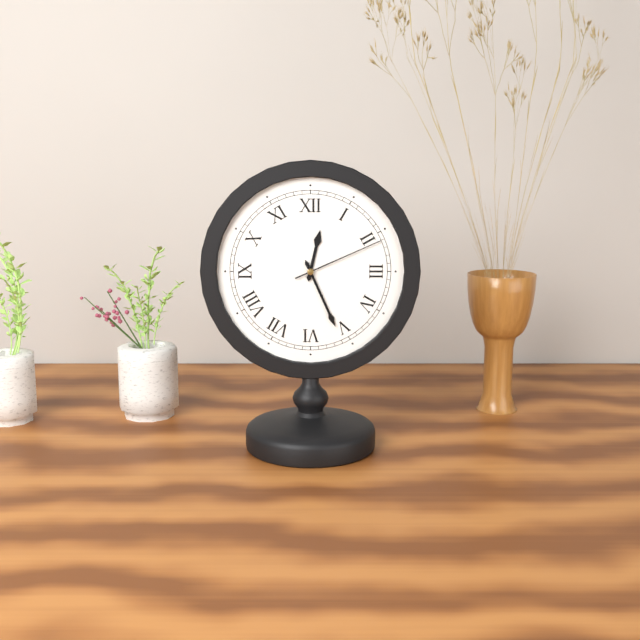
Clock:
12:26:11
